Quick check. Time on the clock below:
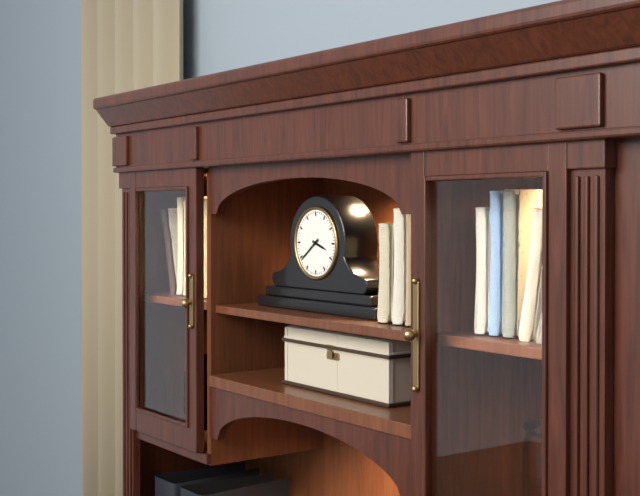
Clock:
3:39
